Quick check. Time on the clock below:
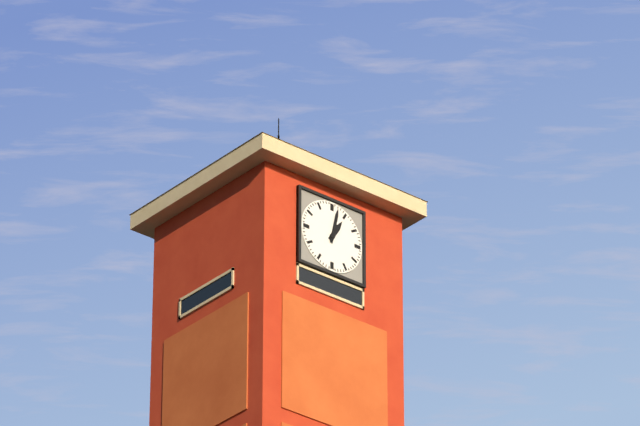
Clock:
1:02
